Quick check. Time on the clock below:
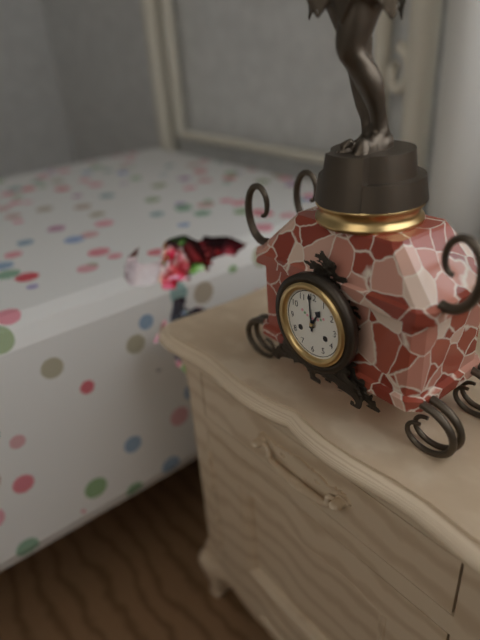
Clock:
12:59
